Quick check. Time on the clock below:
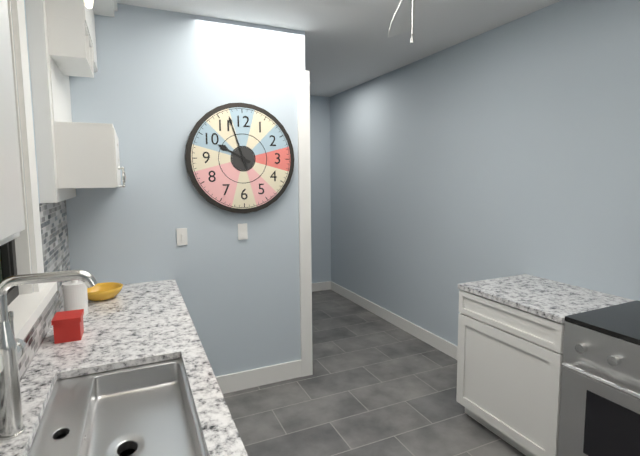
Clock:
9:57
